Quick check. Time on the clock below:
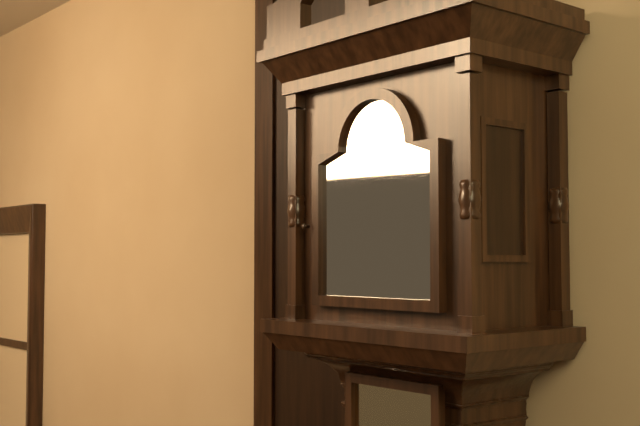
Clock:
7:47
